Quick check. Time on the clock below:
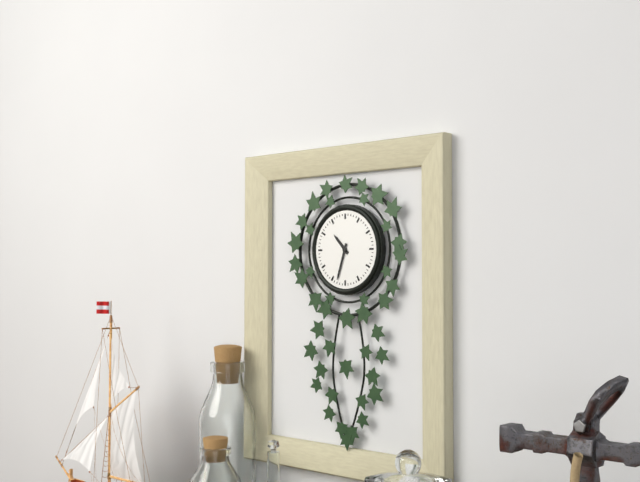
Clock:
10:33
